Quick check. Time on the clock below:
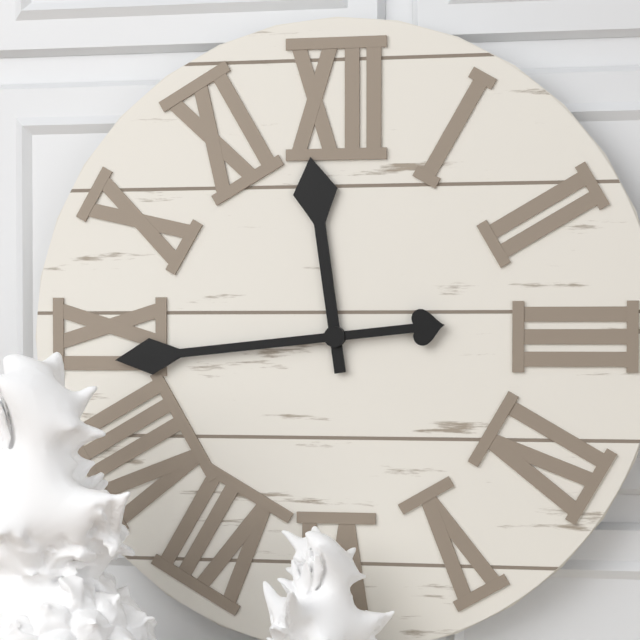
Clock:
11:44
